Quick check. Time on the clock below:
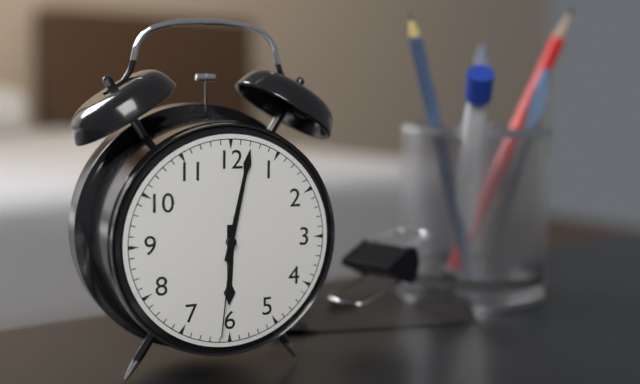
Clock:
6:02:31
